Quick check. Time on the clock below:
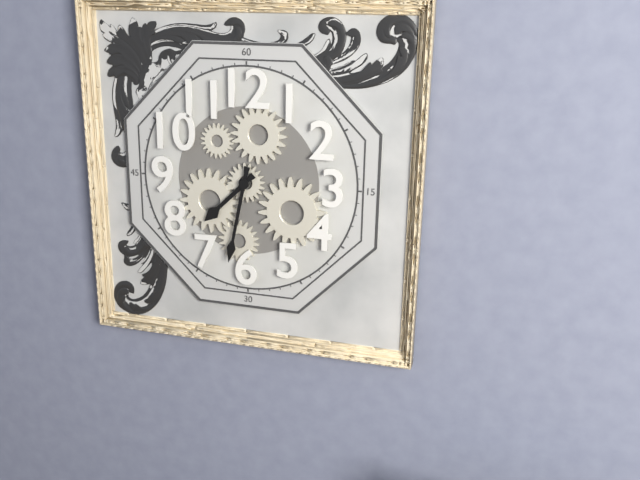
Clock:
7:32
